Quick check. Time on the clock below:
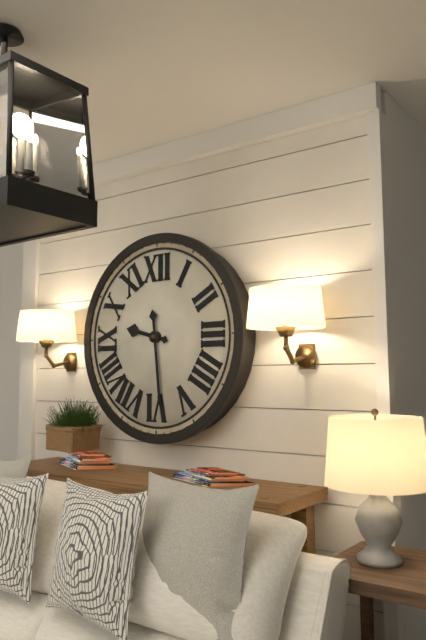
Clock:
9:29
